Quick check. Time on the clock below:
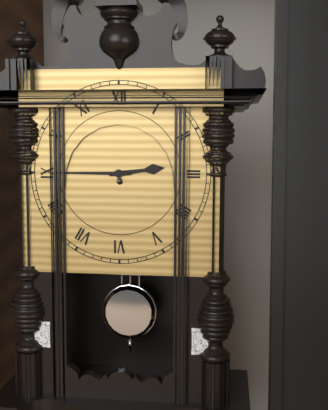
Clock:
2:45
